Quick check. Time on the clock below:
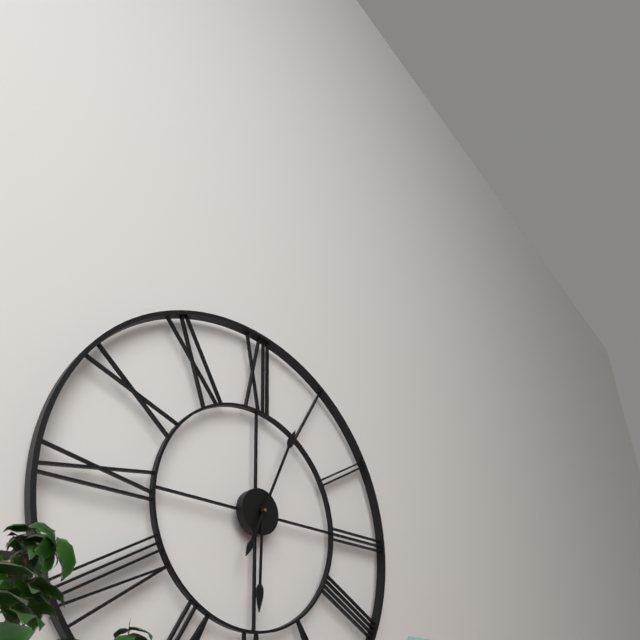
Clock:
6:04
